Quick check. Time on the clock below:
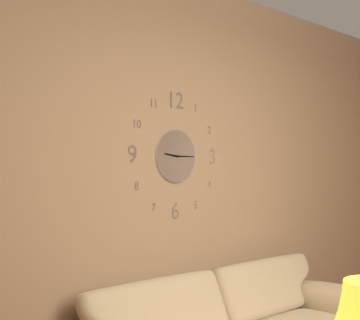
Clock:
9:15
